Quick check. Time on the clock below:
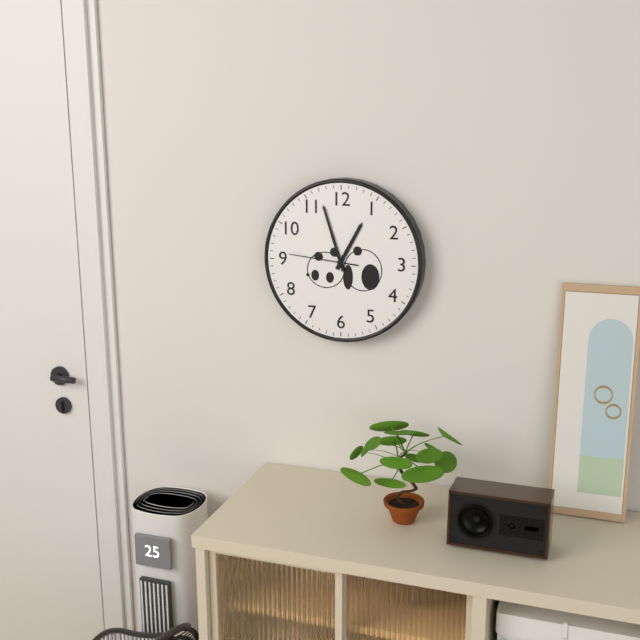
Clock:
12:57:46
